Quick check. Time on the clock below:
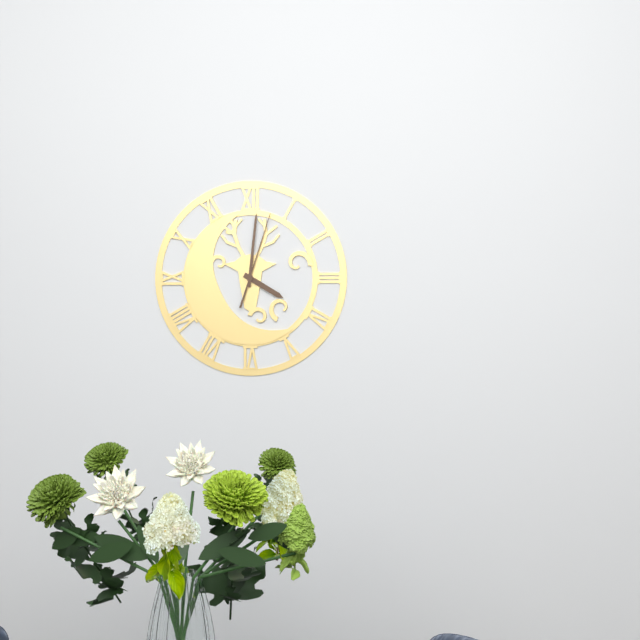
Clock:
4:01:03
